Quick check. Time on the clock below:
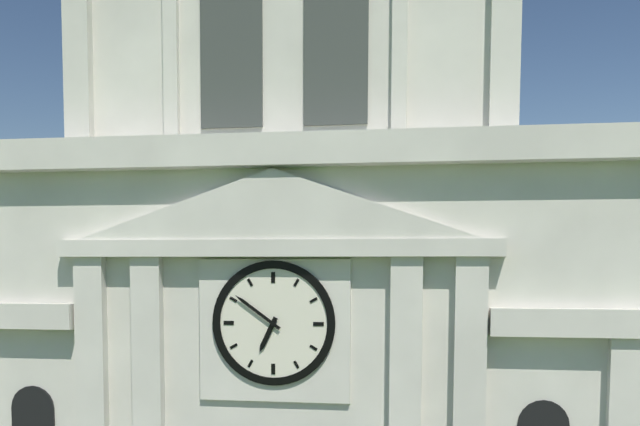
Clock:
6:51
